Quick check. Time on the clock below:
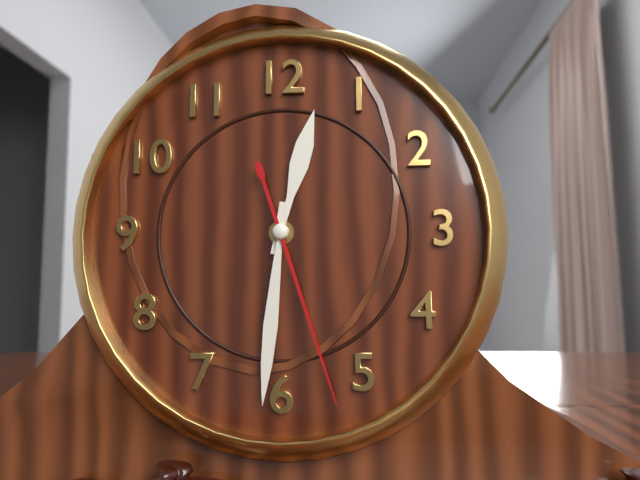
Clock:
12:31:27
